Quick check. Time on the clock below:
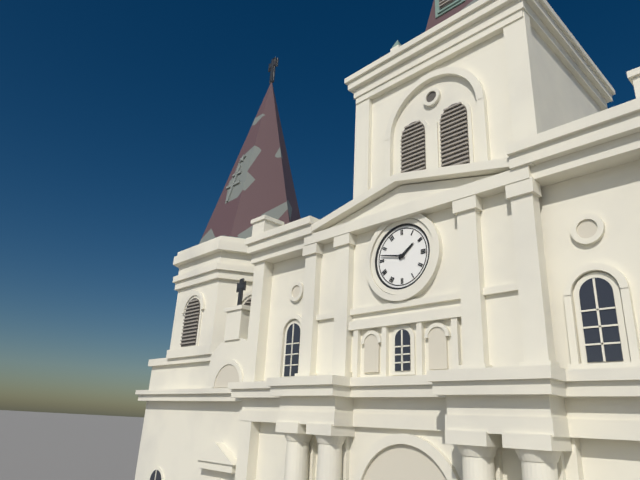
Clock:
1:47
